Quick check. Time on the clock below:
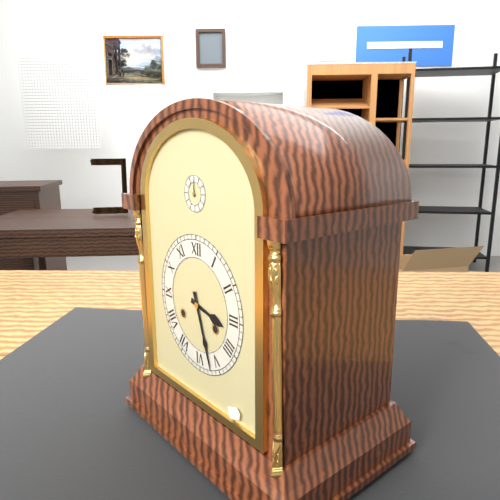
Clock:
3:27
